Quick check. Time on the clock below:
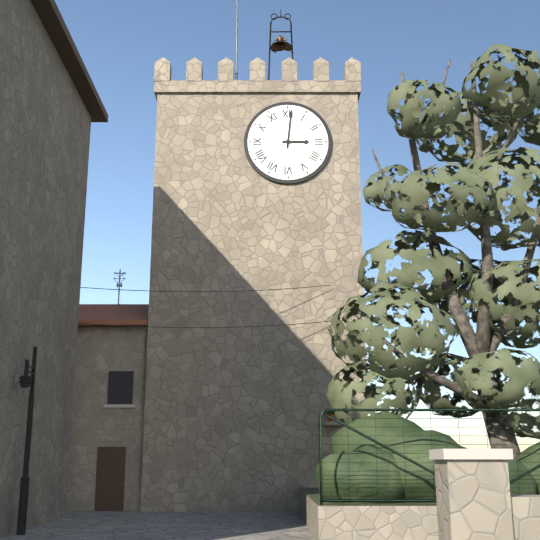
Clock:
3:01
